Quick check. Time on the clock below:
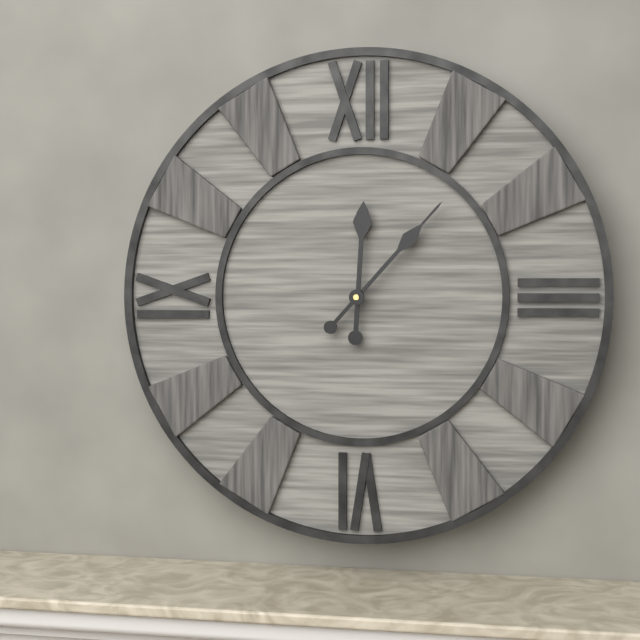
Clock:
12:07
